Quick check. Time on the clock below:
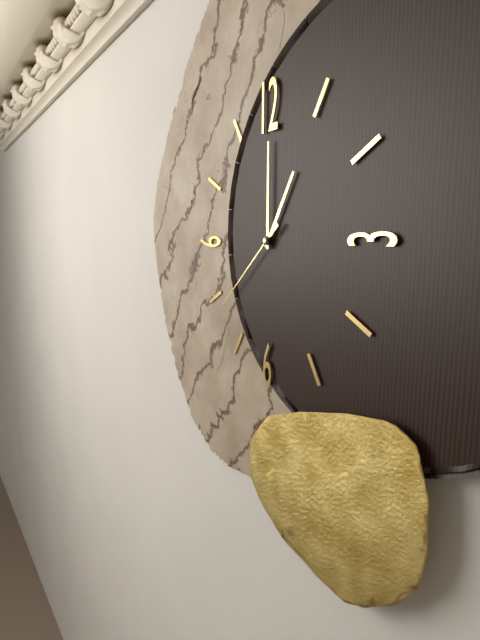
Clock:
1:00:38
